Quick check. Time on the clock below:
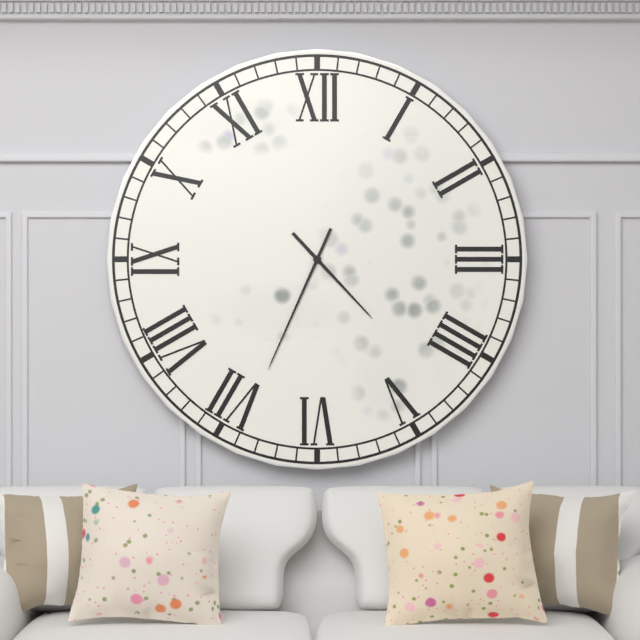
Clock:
4:34
